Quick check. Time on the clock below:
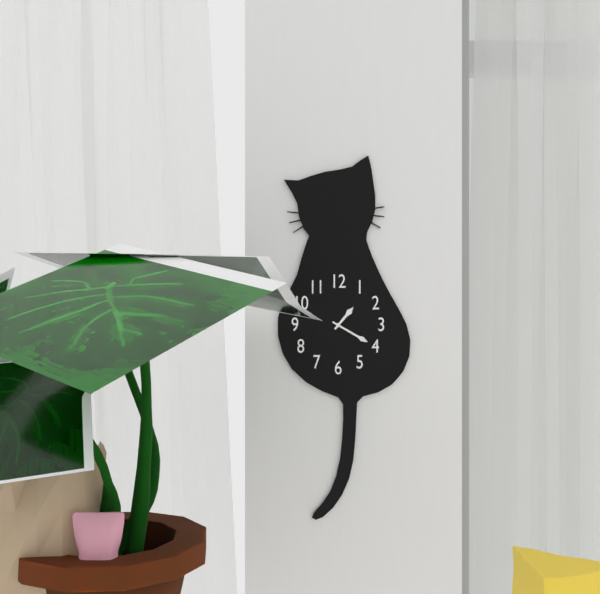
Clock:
1:20
